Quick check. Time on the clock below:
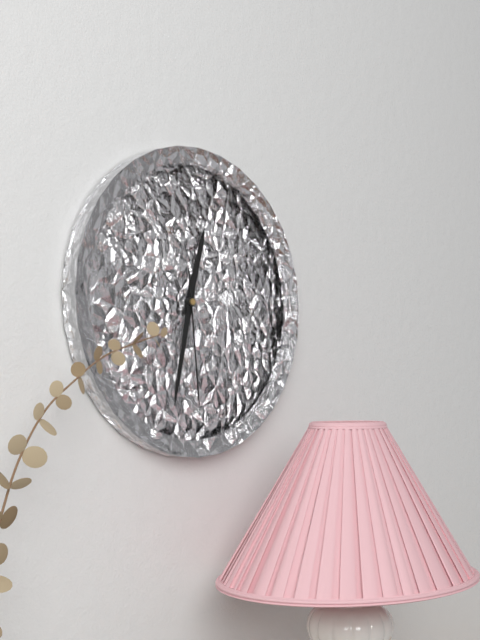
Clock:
12:32:29
